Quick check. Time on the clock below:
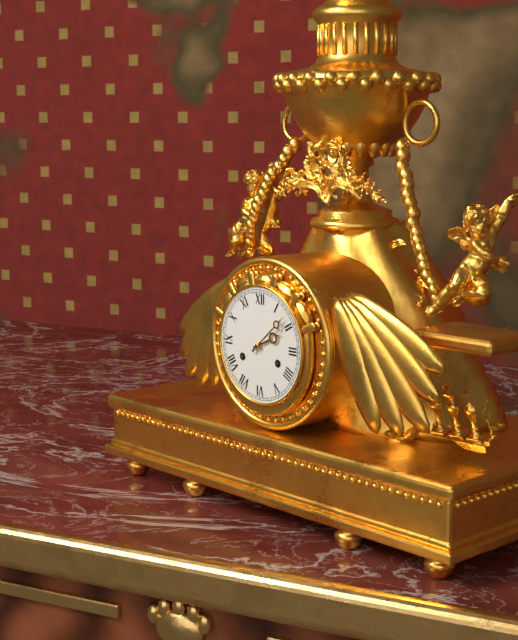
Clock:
2:08
